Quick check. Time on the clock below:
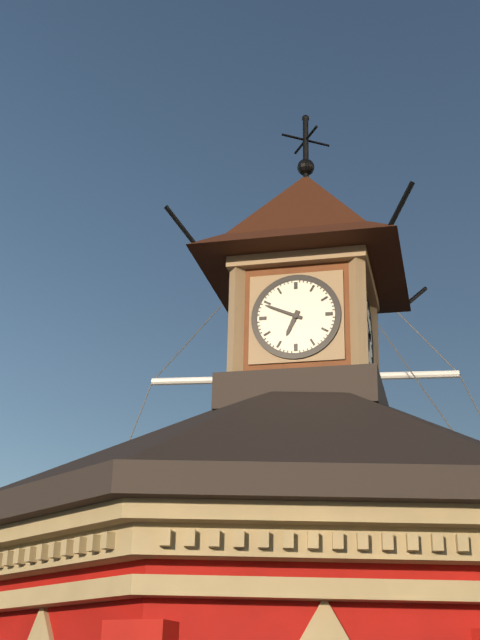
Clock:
6:49
